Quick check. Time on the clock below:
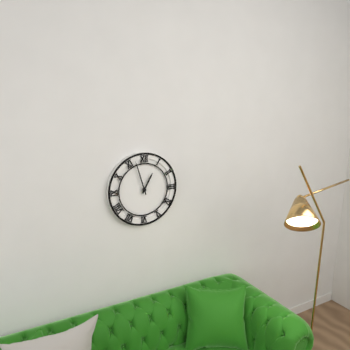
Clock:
12:57
